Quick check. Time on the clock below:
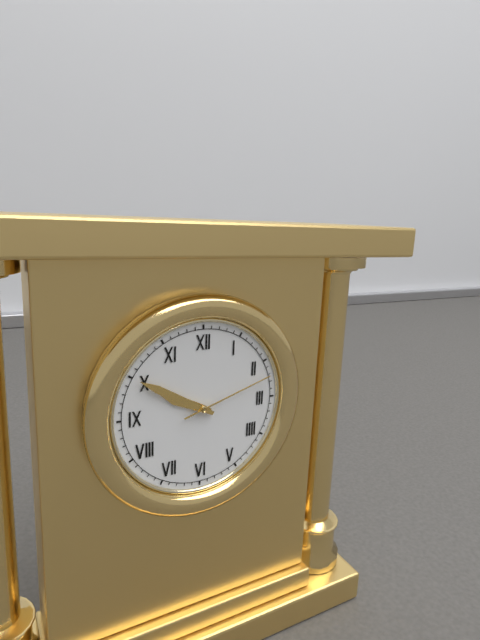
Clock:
9:50:12
